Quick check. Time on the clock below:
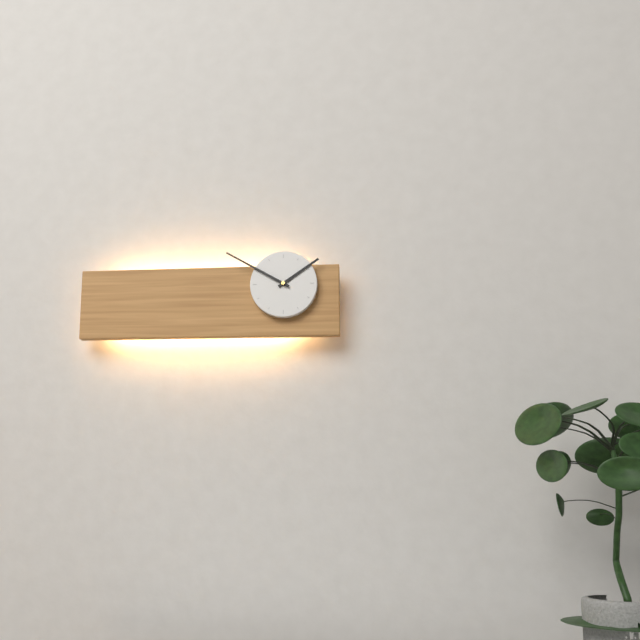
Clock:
1:50
